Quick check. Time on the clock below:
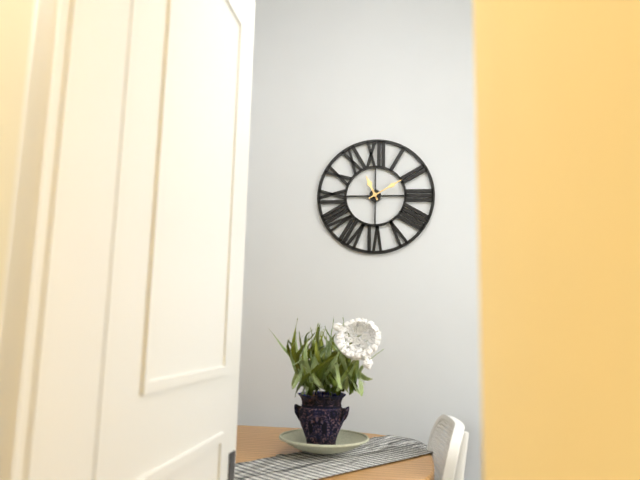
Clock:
11:10
